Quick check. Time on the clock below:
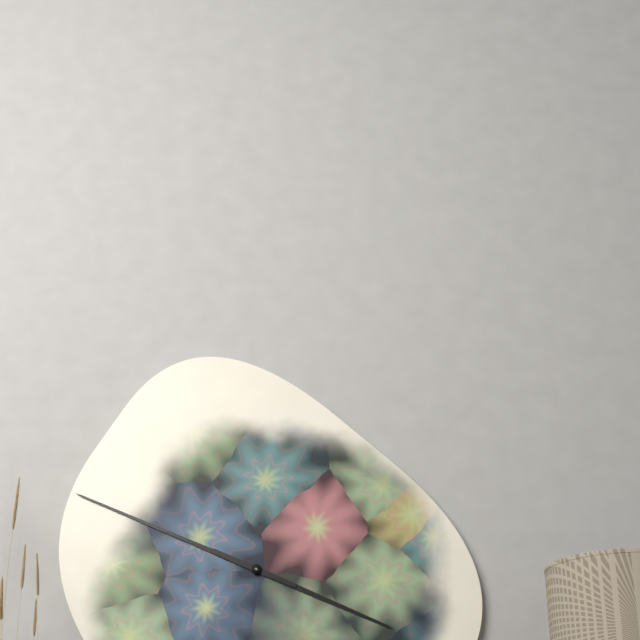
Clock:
3:49
